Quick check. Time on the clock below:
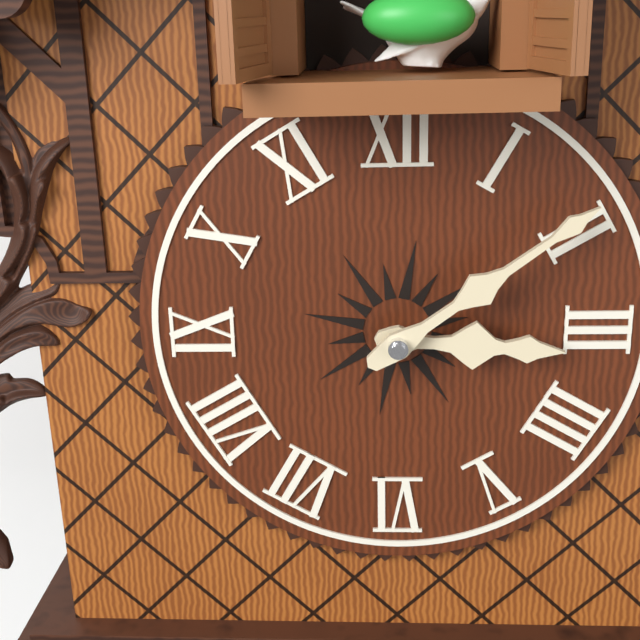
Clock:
3:09
